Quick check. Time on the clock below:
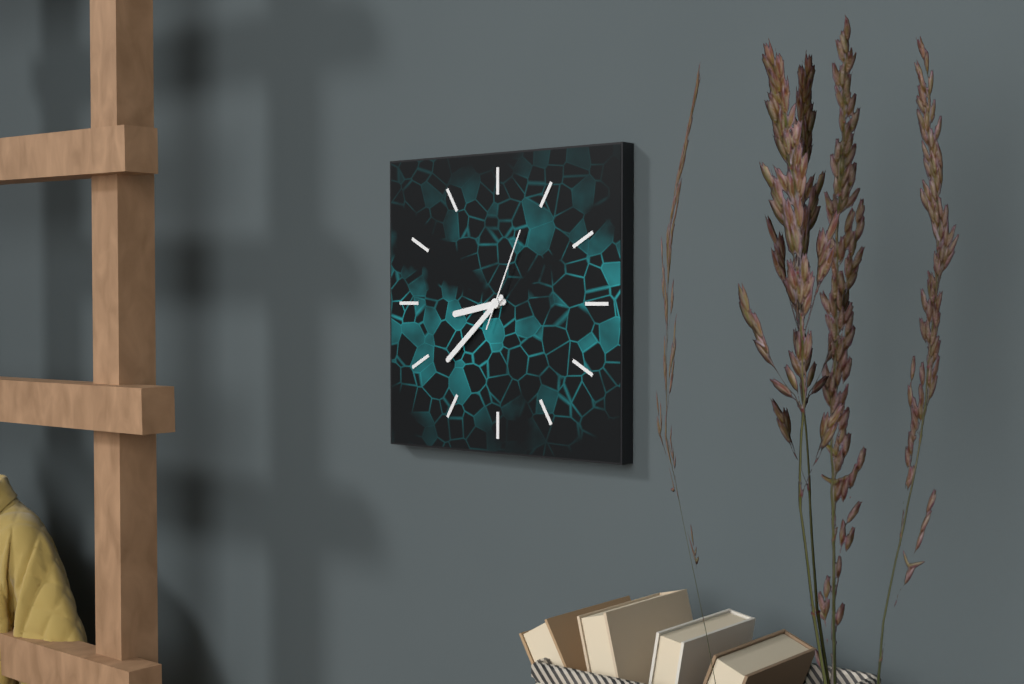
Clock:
8:38:04
